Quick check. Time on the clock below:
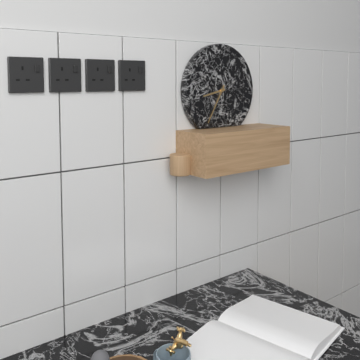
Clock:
8:35
